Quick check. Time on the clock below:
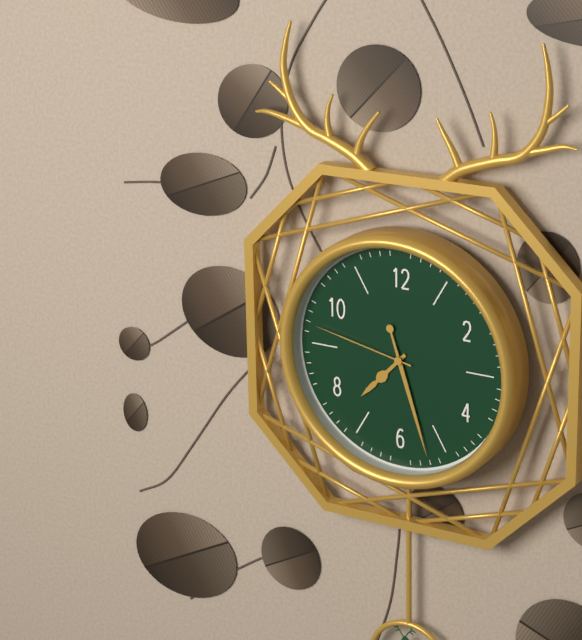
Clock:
7:27:47
